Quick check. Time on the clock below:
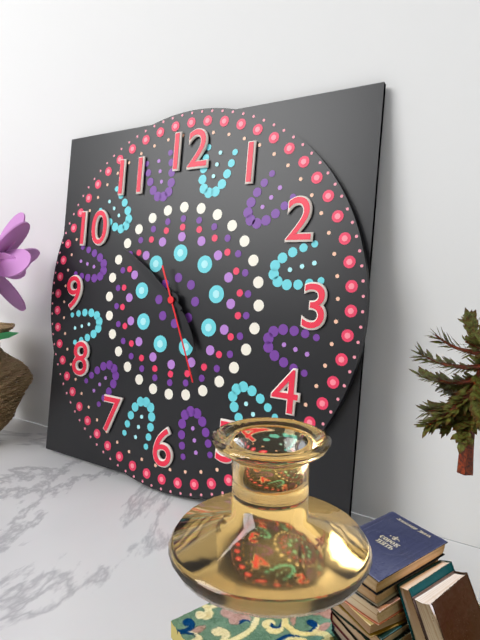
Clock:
4:51:26
